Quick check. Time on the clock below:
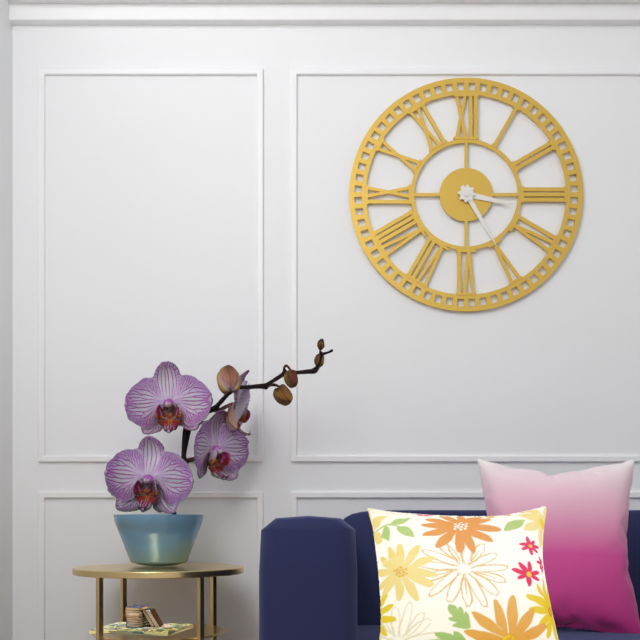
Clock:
3:25
